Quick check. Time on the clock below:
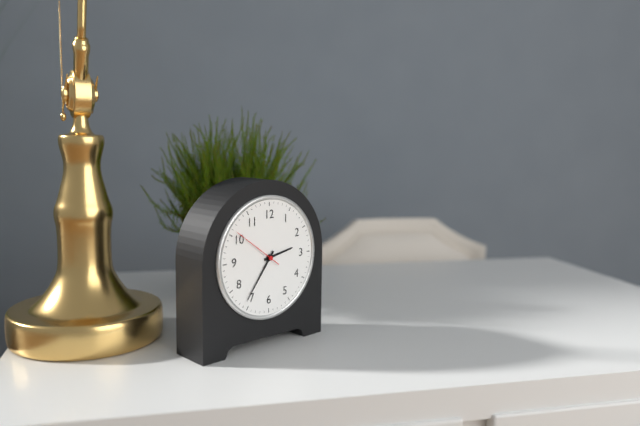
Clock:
2:36
